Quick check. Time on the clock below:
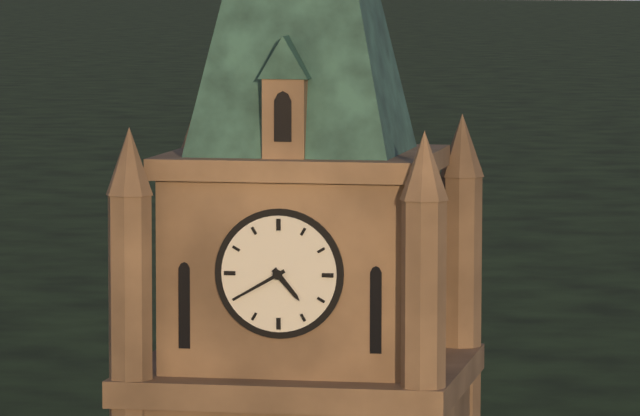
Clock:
4:40
